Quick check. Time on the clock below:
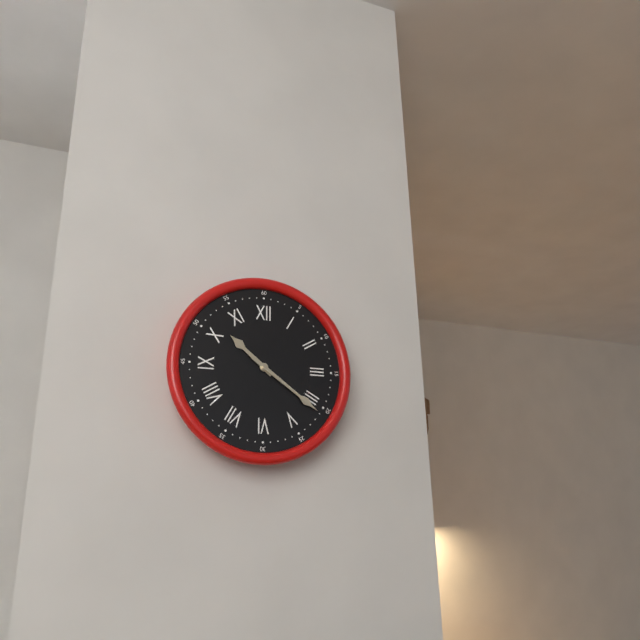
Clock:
10:21
